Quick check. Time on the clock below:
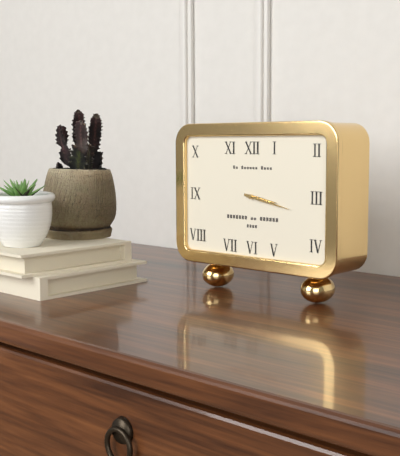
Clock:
3:17
